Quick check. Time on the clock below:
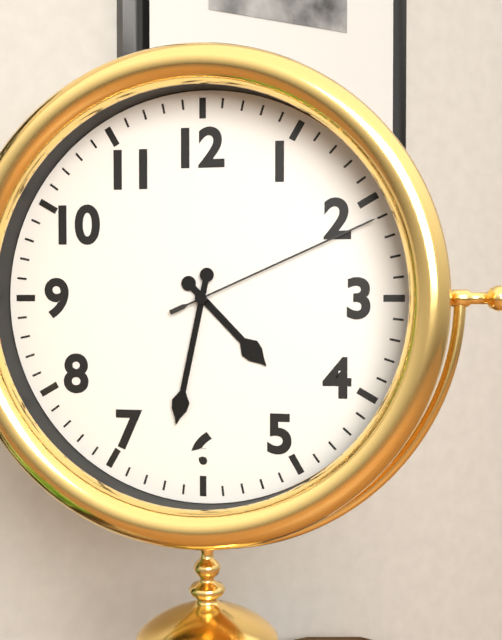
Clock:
4:32:11
